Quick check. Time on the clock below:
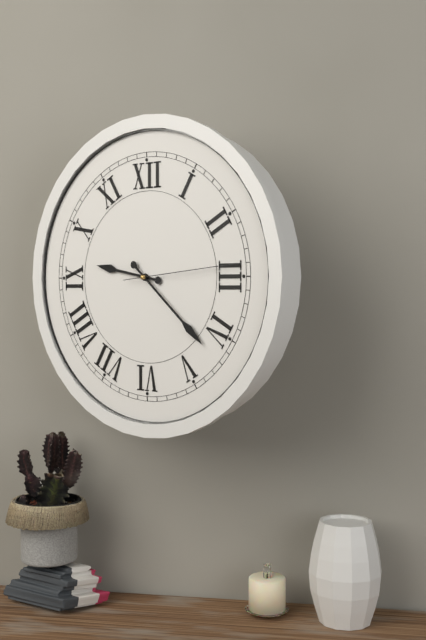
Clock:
9:22:14
